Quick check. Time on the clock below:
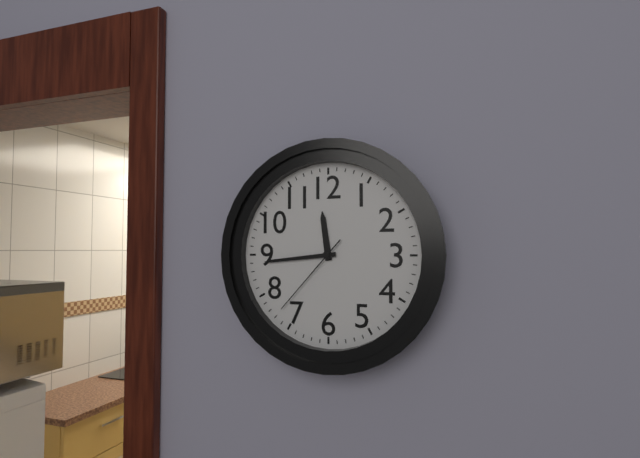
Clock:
11:44:37
